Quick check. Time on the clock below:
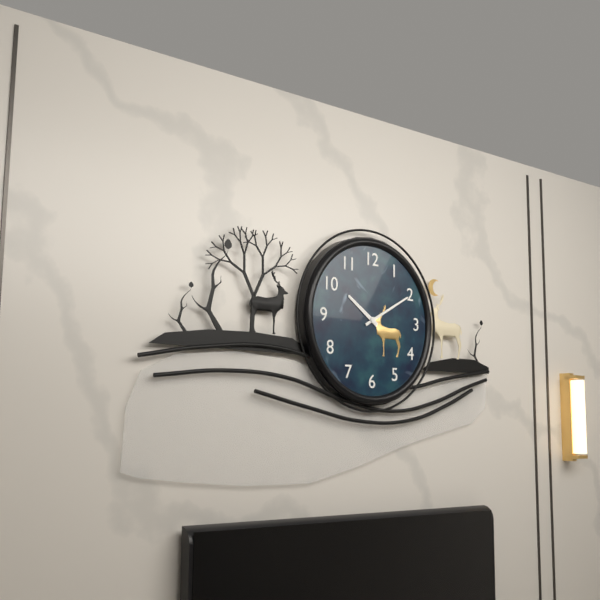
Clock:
10:10
